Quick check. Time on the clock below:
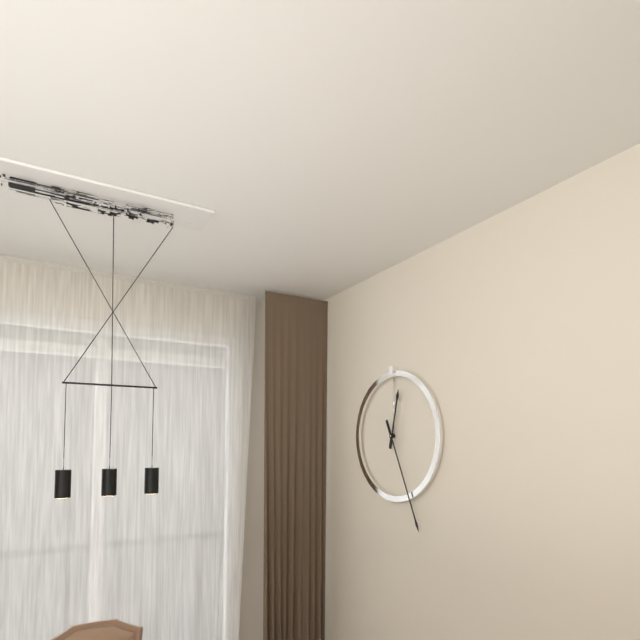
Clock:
12:26
